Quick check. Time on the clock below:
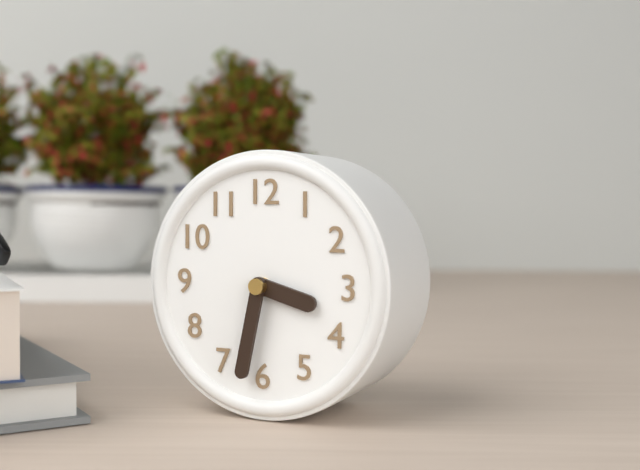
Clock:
3:32
